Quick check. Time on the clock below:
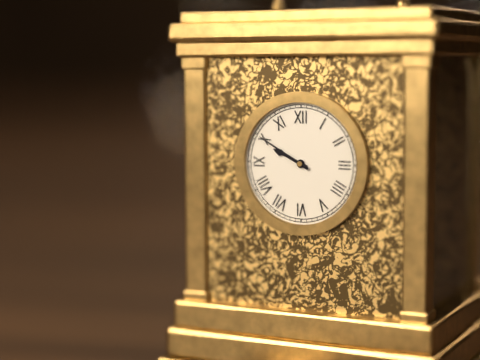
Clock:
9:50
